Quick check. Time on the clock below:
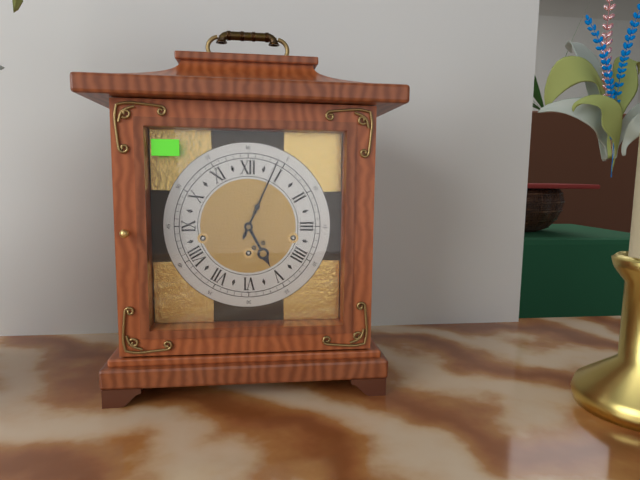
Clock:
5:04
